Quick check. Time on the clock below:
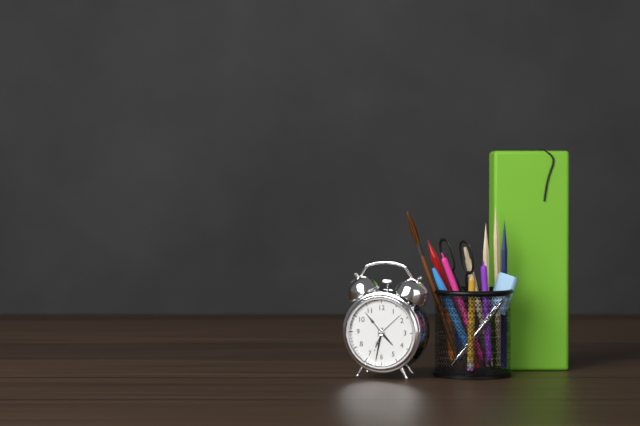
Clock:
4:32
